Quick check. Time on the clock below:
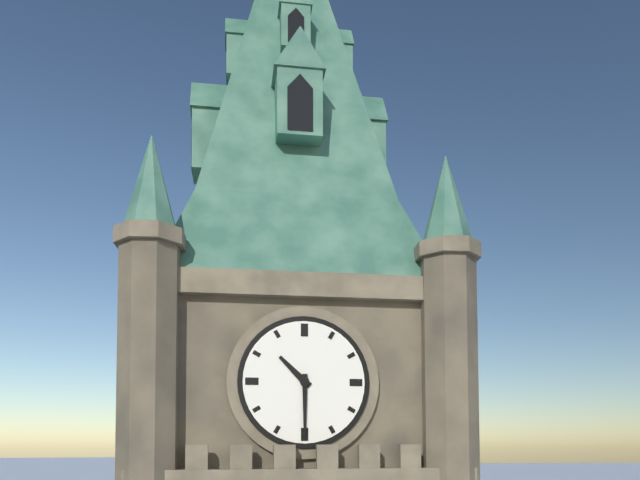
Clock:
10:30
